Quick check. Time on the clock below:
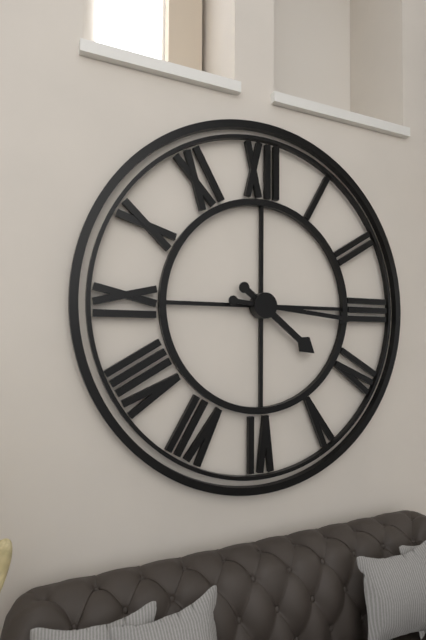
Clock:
4:16
